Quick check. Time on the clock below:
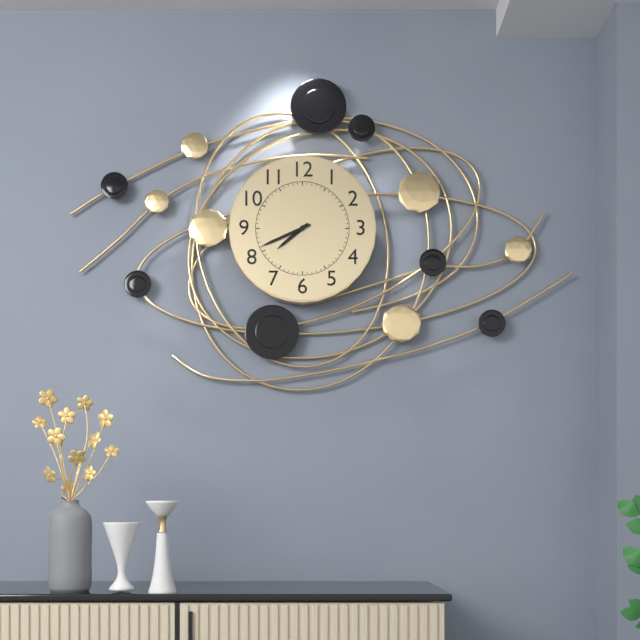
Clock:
7:41
